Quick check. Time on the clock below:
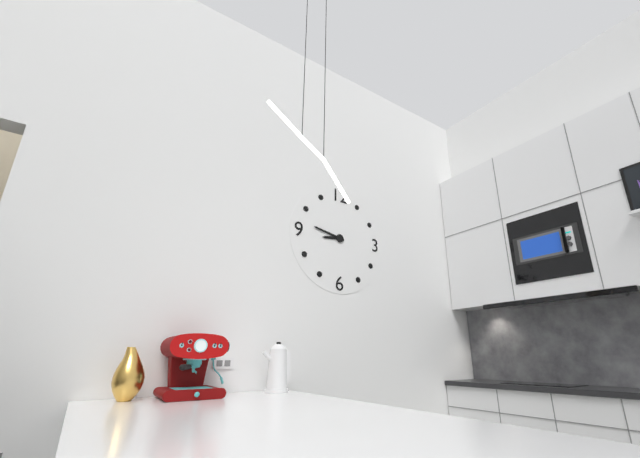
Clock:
8:47
